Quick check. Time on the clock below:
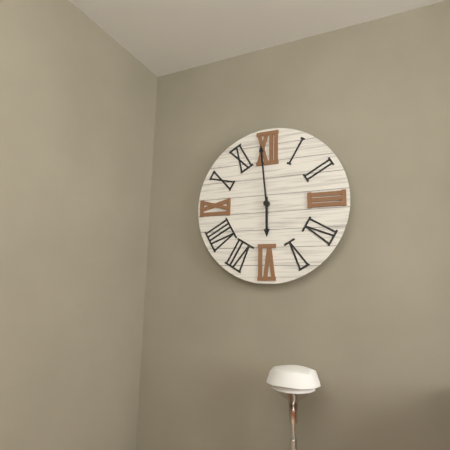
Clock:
5:59
